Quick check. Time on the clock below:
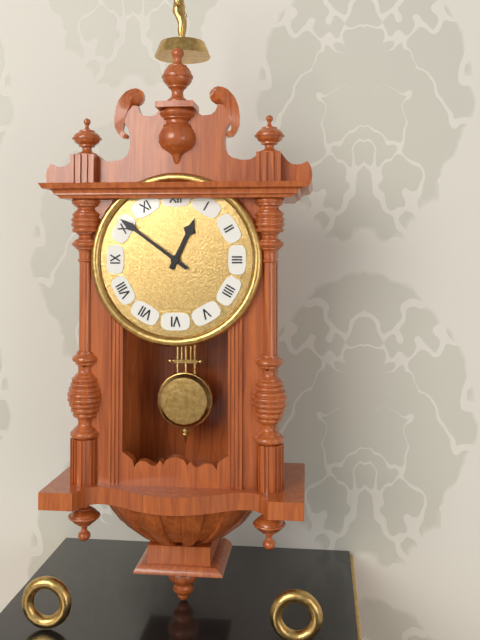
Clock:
12:51
